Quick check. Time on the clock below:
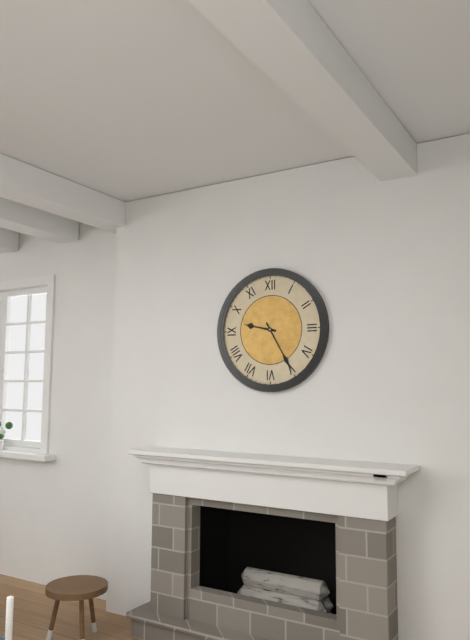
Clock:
9:25
